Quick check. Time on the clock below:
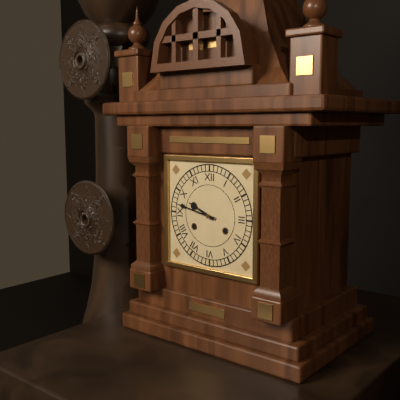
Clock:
9:47
